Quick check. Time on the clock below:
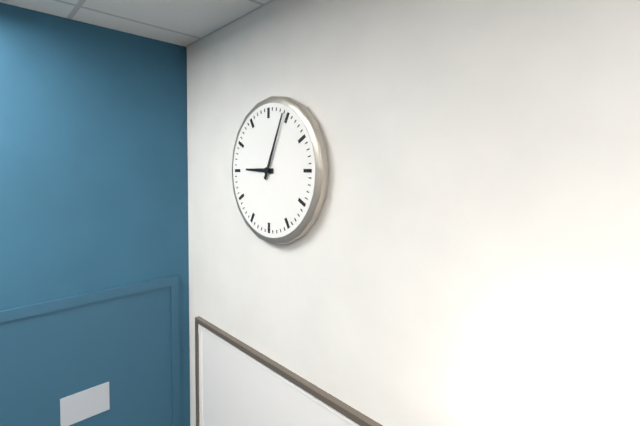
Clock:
9:04
